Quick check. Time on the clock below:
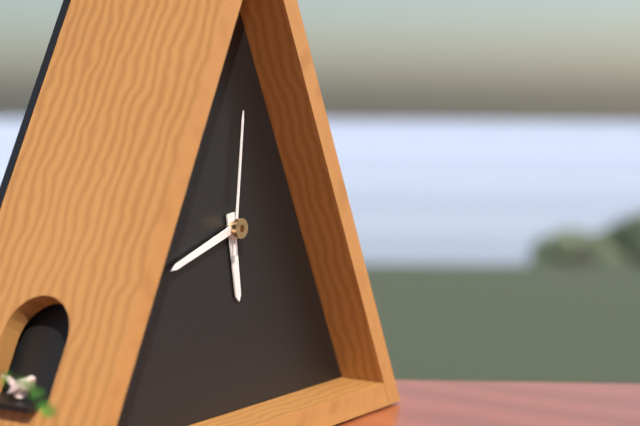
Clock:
5:42:01
